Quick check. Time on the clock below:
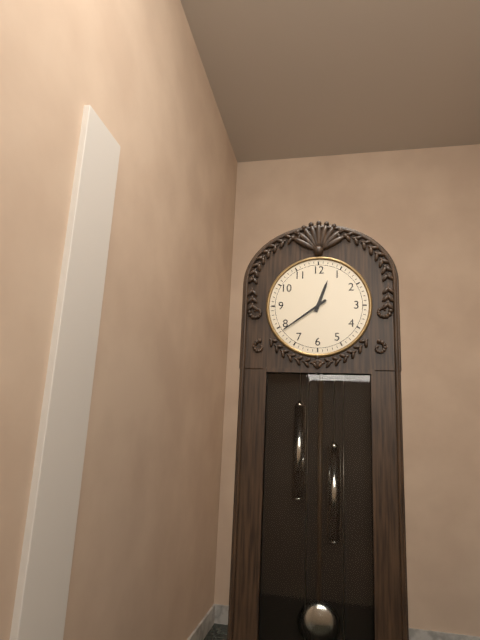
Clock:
12:39
